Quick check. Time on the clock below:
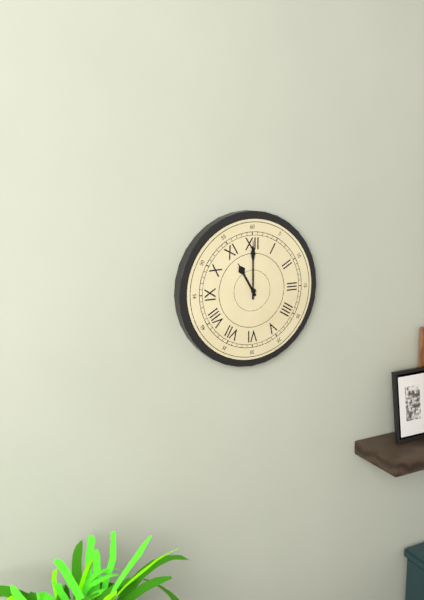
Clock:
11:00
